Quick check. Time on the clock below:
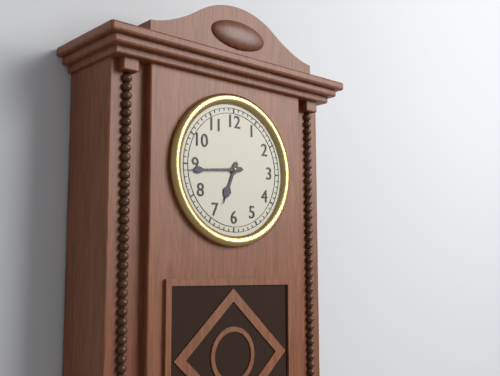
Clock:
6:44
